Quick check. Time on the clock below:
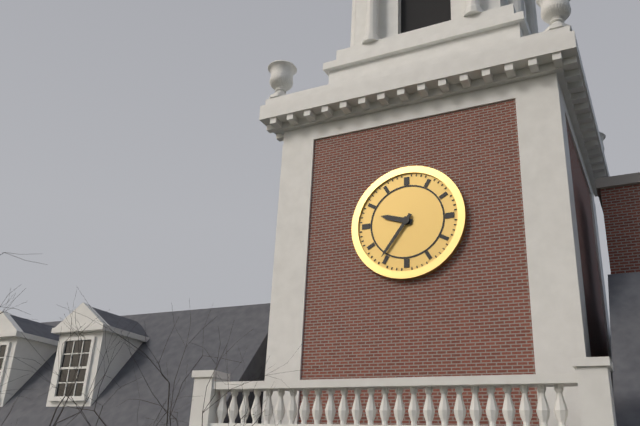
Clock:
9:36
